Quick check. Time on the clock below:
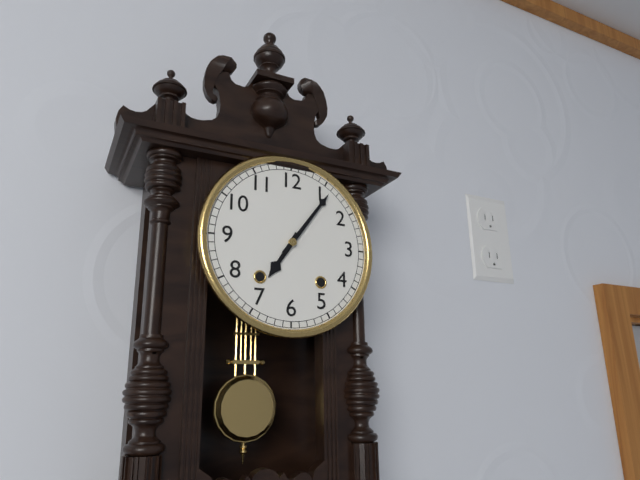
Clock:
7:06
